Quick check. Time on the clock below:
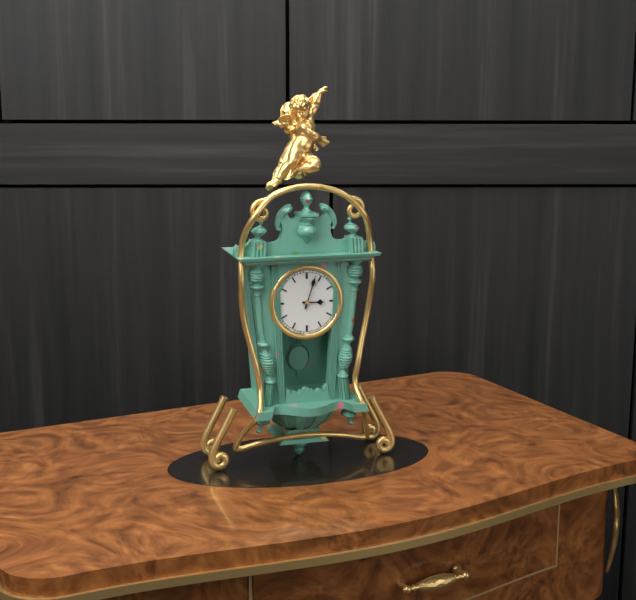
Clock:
3:03
